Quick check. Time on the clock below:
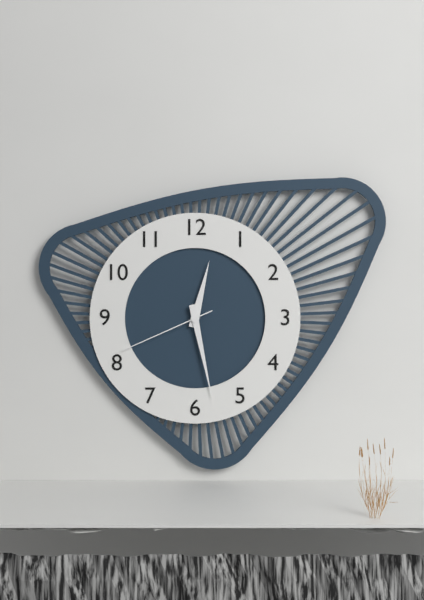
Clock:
12:28:41
